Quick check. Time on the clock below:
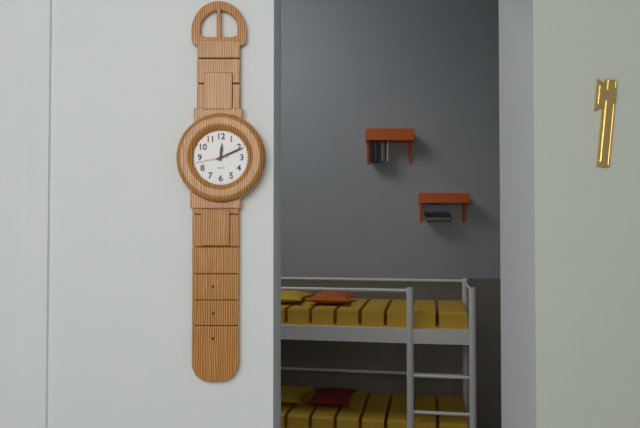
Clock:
12:11
